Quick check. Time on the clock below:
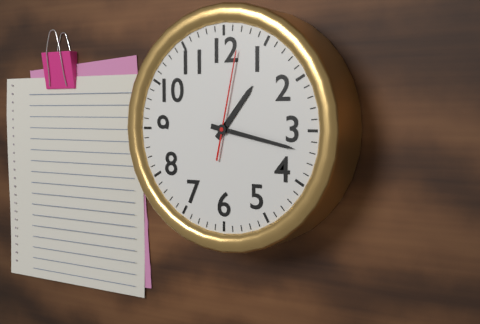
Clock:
1:17:02
